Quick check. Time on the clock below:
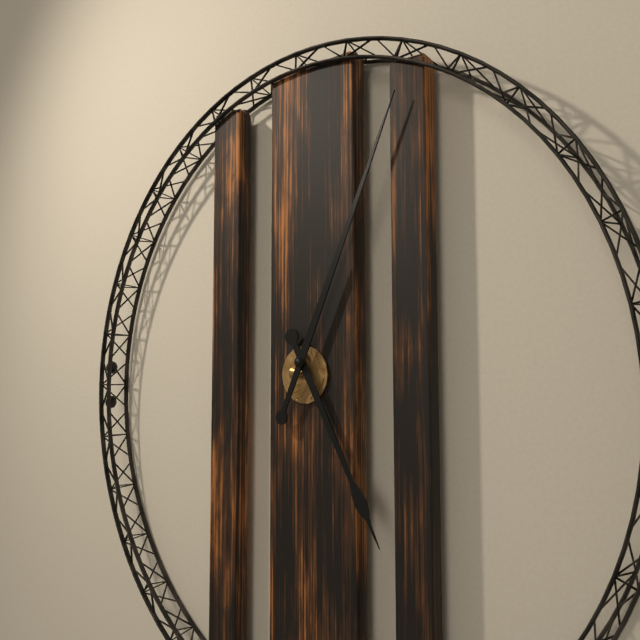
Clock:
5:04
